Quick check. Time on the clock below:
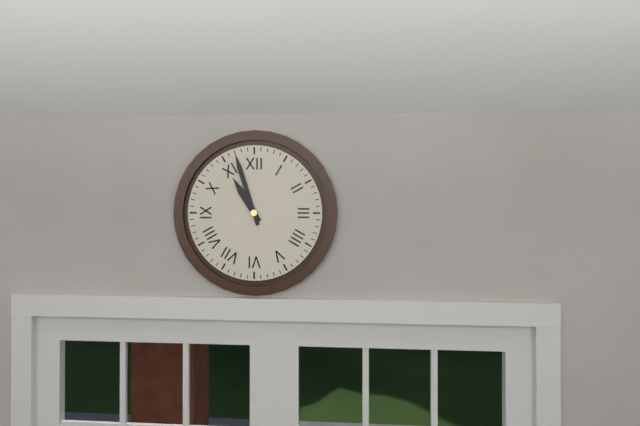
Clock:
10:57
